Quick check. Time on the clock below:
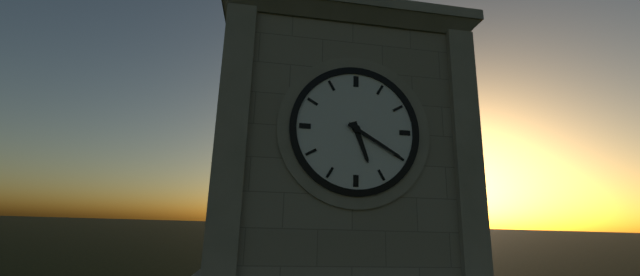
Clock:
5:20
